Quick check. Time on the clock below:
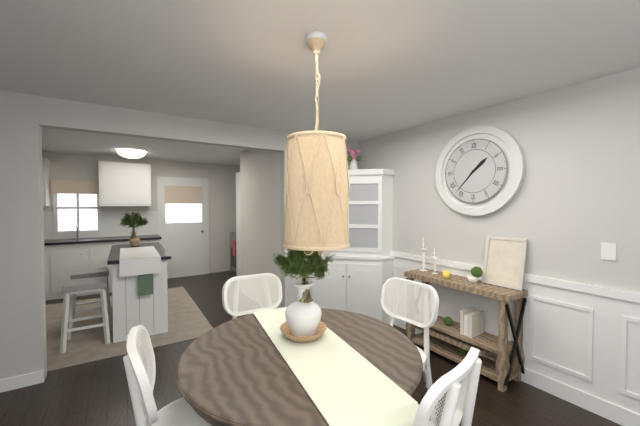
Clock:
1:37
